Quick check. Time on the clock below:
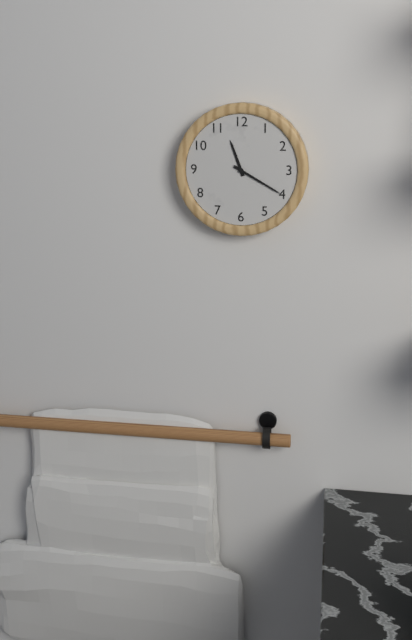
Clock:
11:20
